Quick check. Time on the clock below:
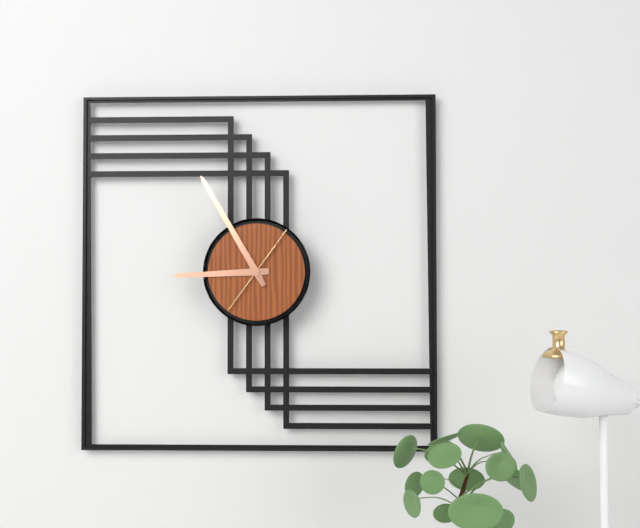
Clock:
8:55:06
